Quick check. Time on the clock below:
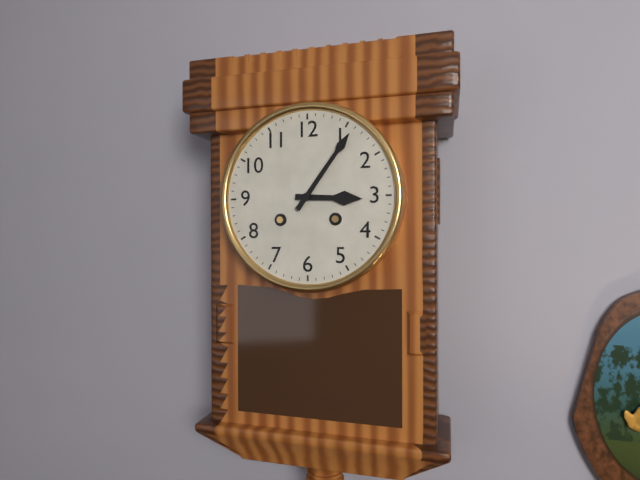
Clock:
3:06
